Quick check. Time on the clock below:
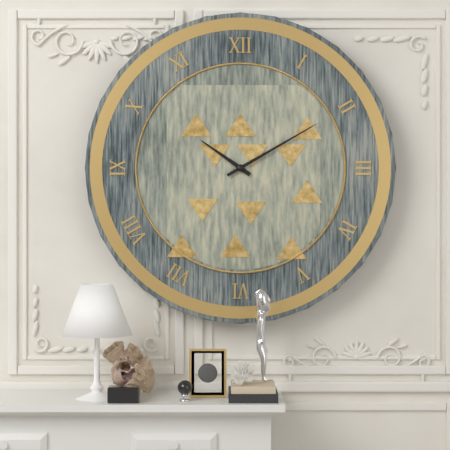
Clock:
10:10
